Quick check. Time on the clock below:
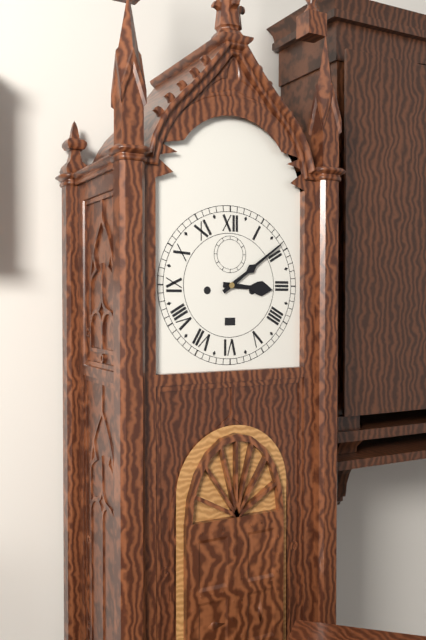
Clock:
3:09
